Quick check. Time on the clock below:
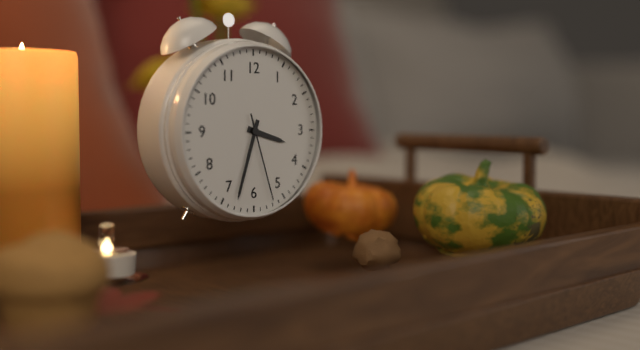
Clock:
3:33:27
